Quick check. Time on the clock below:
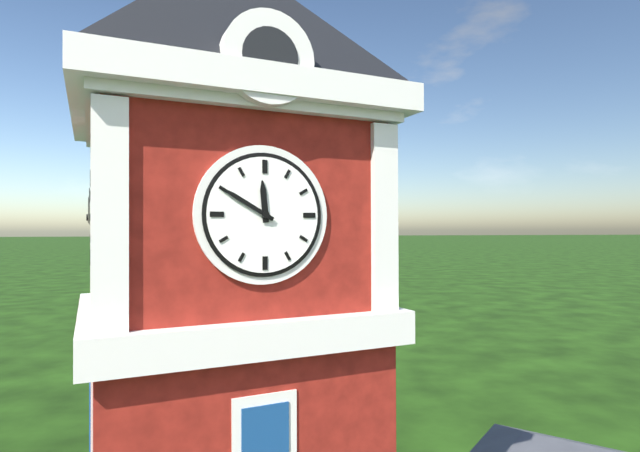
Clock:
11:50
